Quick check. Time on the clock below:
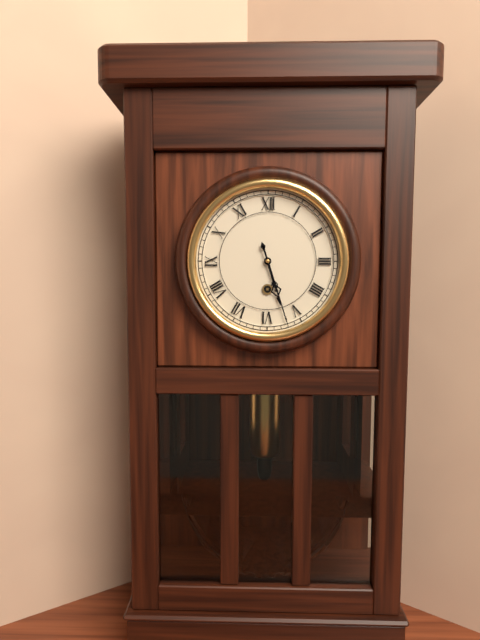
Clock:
5:27
